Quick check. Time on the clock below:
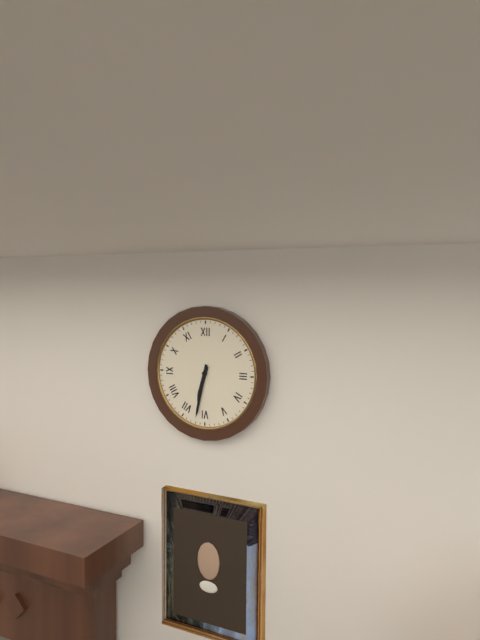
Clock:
6:32
